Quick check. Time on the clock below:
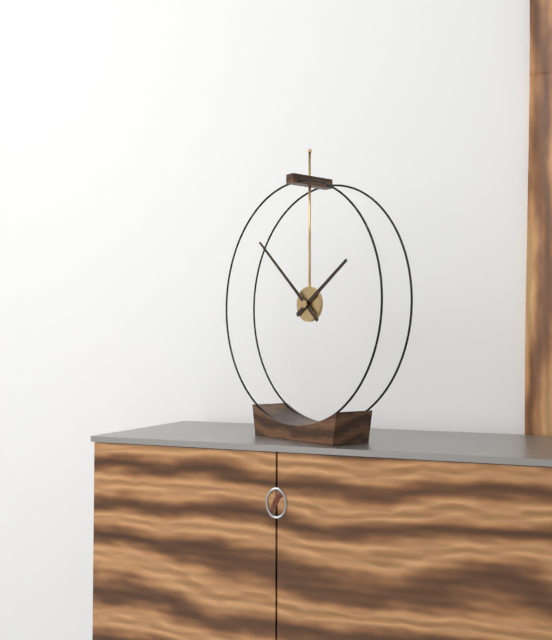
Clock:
1:52
